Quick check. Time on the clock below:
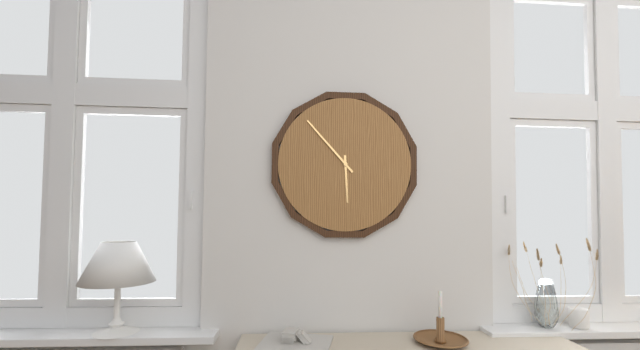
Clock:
5:53
